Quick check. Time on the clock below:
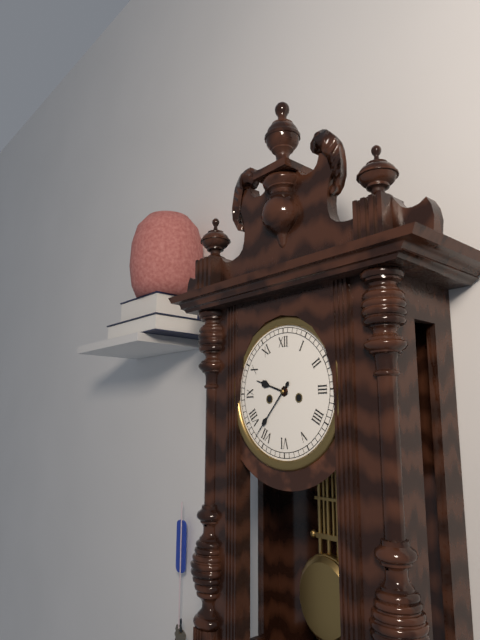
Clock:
9:37
